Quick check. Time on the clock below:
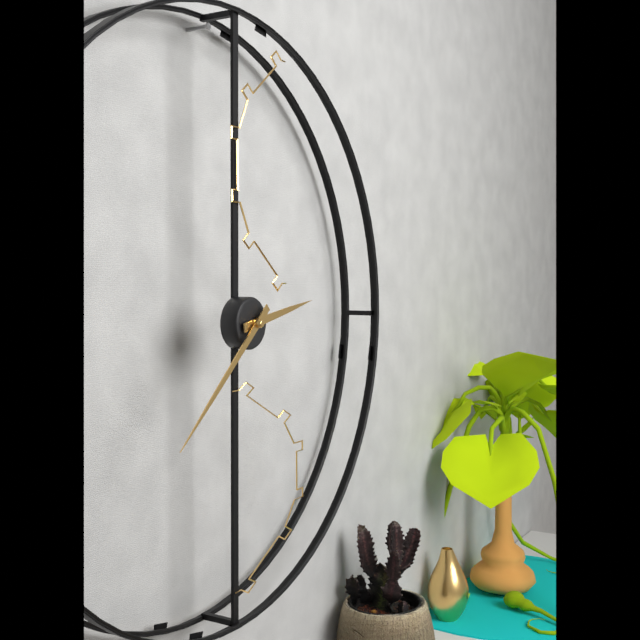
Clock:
2:38
